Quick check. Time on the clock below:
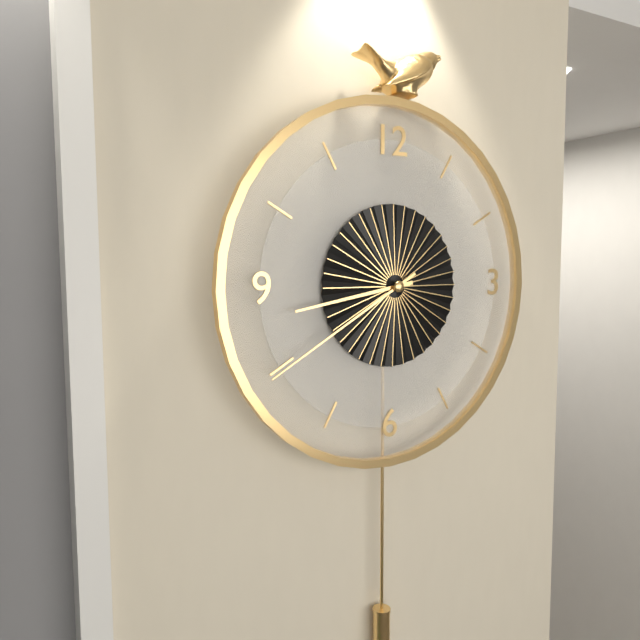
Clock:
8:40
